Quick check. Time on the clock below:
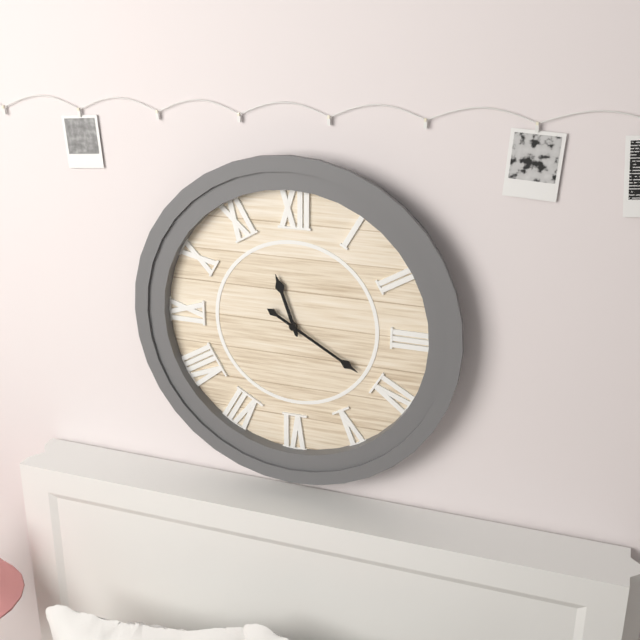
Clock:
11:20
